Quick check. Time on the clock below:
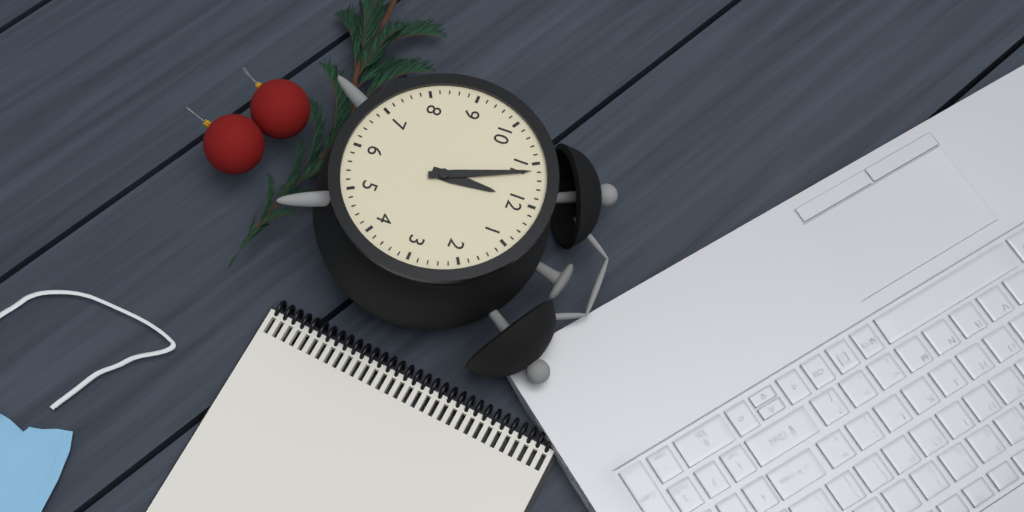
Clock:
11:56
